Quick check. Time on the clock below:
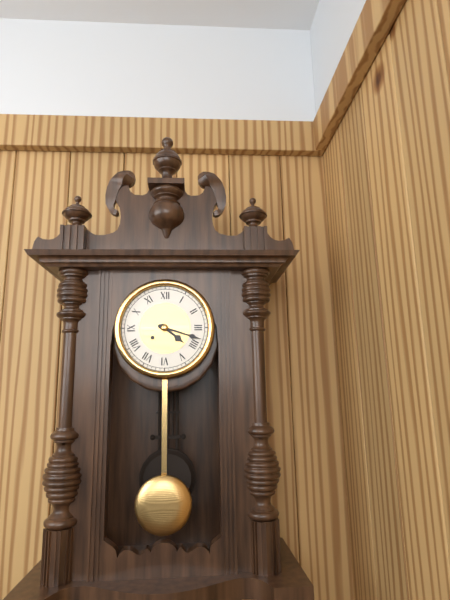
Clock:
4:18
